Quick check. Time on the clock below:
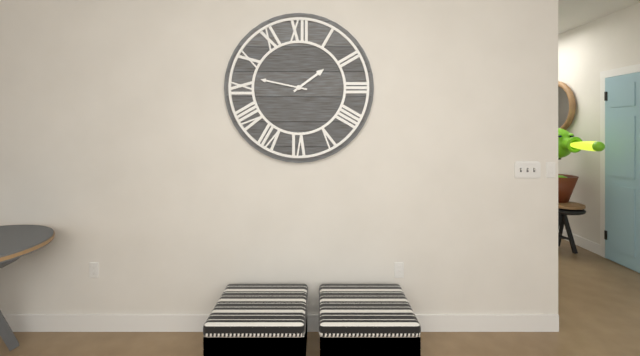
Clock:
1:47
